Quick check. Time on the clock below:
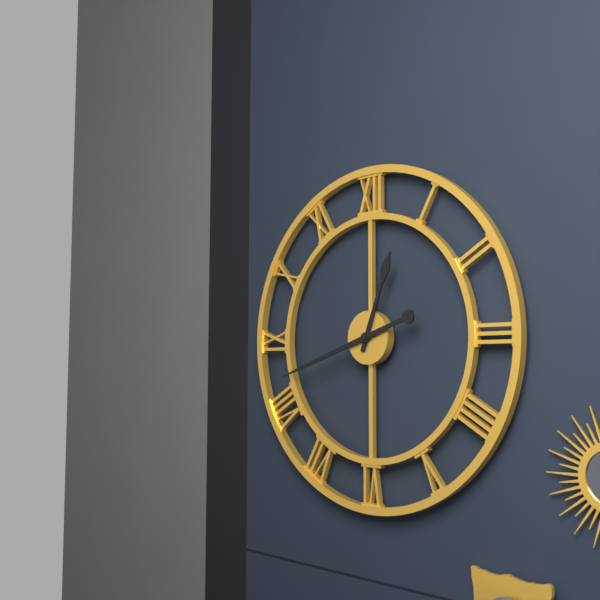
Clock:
12:42
